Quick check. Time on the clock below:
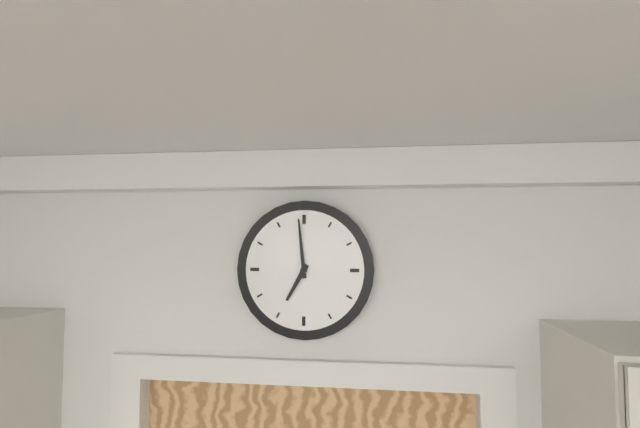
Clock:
6:59
